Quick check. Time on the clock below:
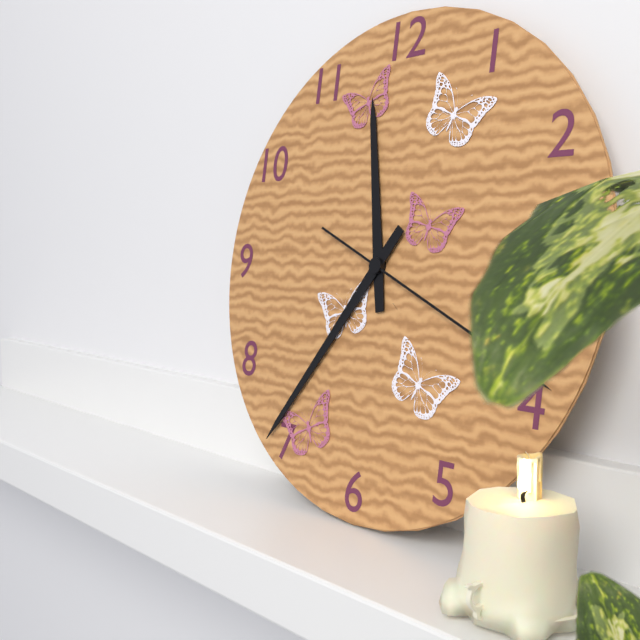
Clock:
11:36:19
